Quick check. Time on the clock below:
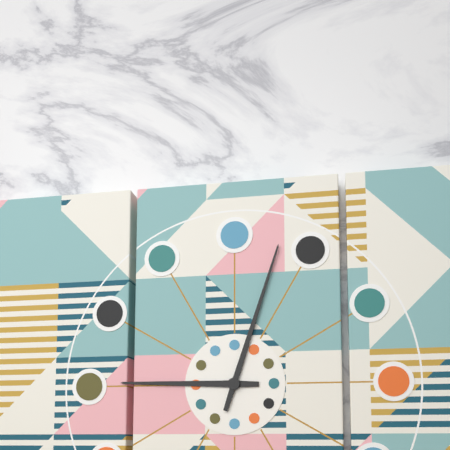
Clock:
9:03
